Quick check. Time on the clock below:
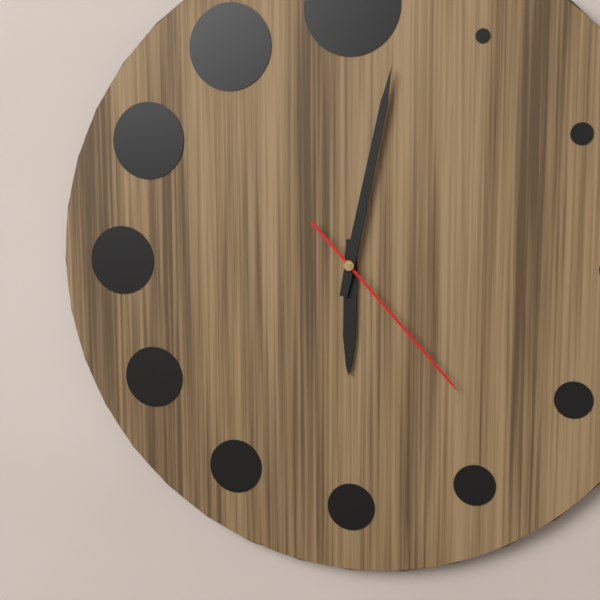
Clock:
6:02:23
